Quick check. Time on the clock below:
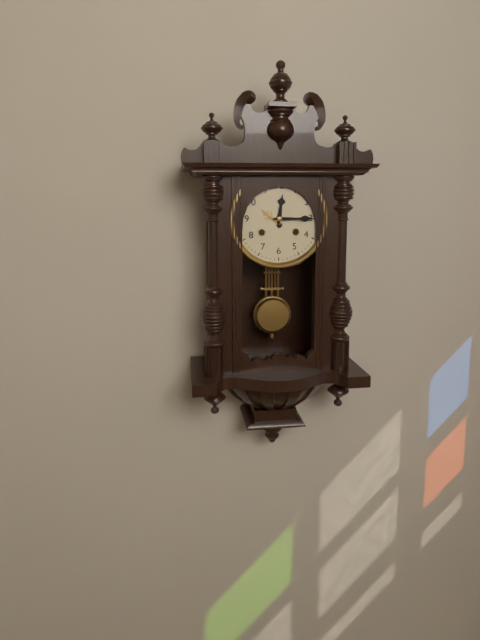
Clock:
12:15
